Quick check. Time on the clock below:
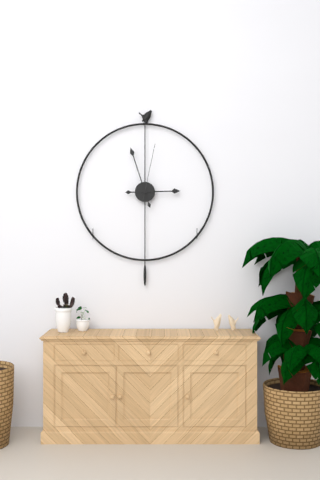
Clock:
2:57:02
